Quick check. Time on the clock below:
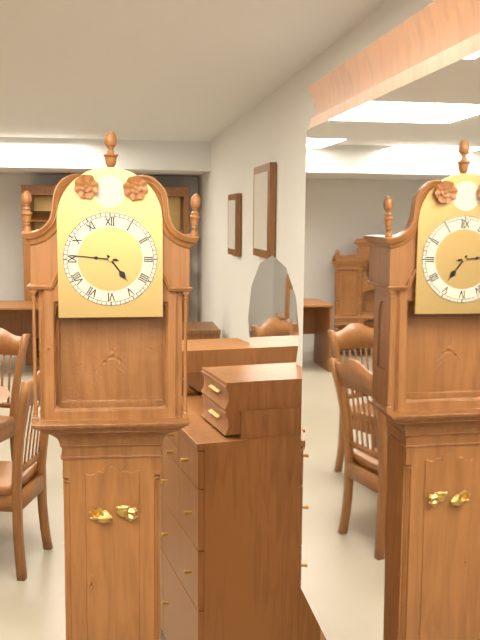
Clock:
4:46
